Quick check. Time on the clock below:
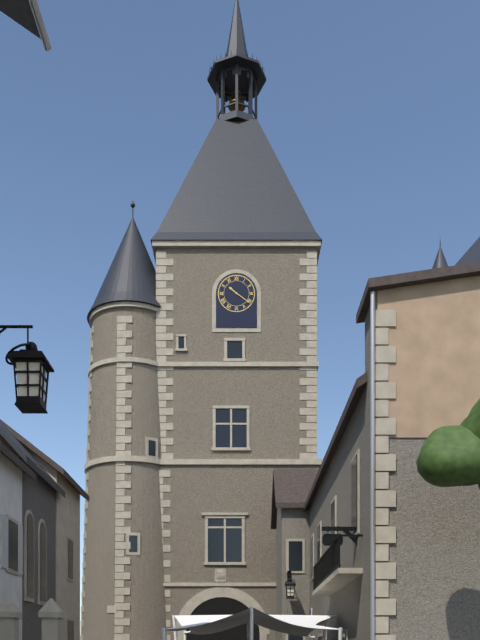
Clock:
10:21
